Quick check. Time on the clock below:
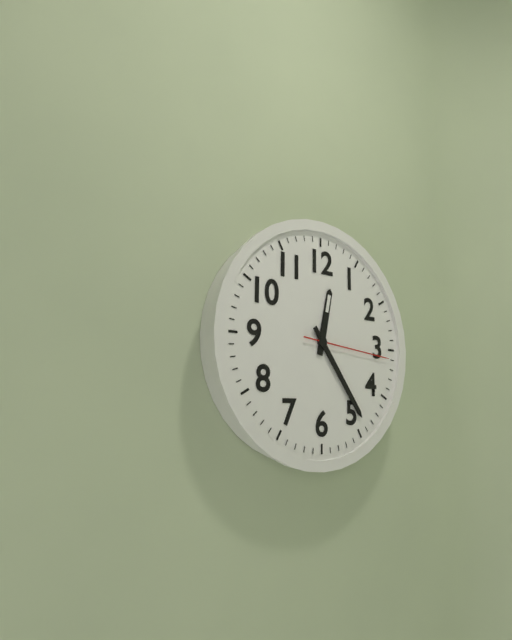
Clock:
12:24:16
